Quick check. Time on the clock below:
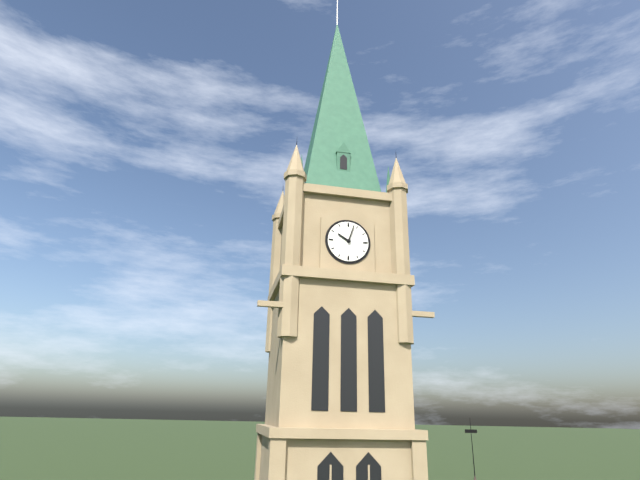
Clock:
10:03
